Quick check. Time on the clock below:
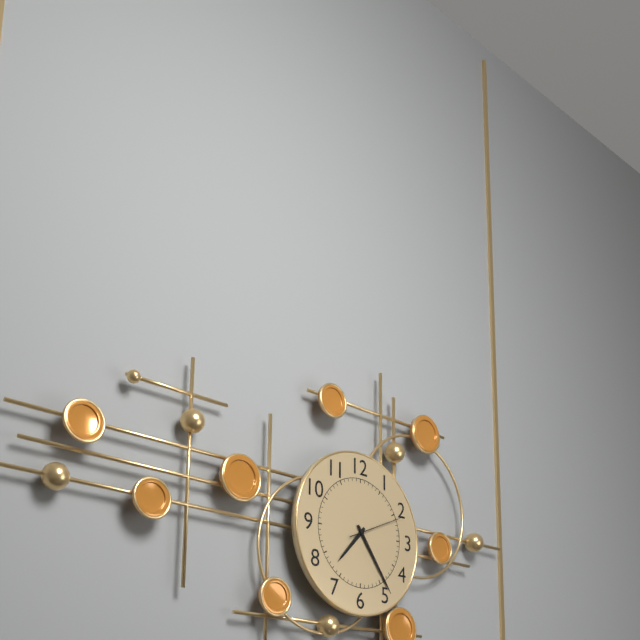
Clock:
7:24:11
